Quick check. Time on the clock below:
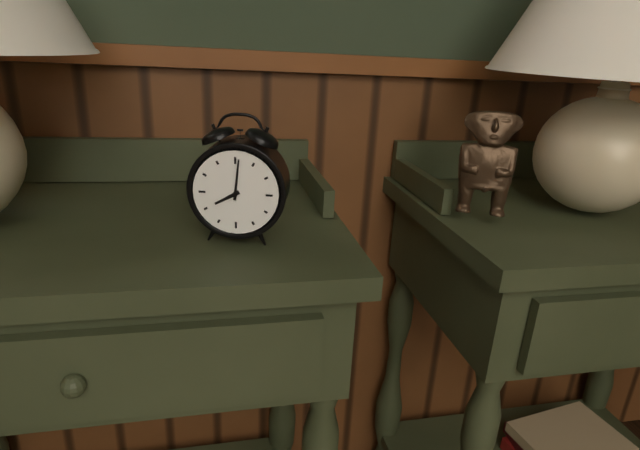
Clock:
8:01
